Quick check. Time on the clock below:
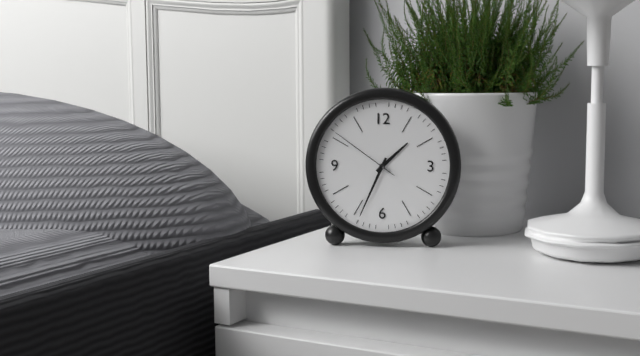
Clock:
1:34:51
